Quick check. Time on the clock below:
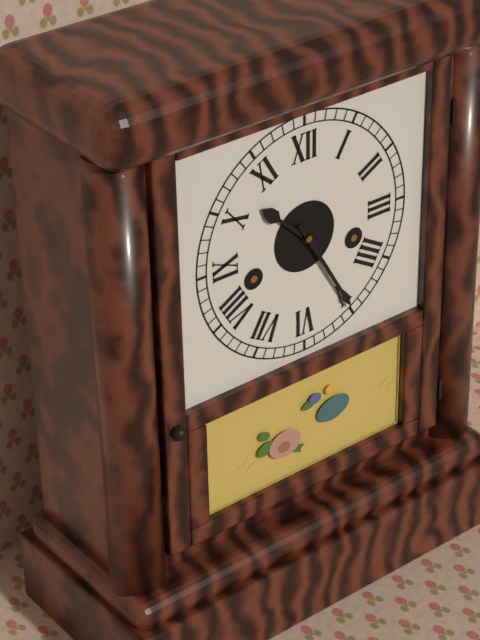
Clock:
10:25
